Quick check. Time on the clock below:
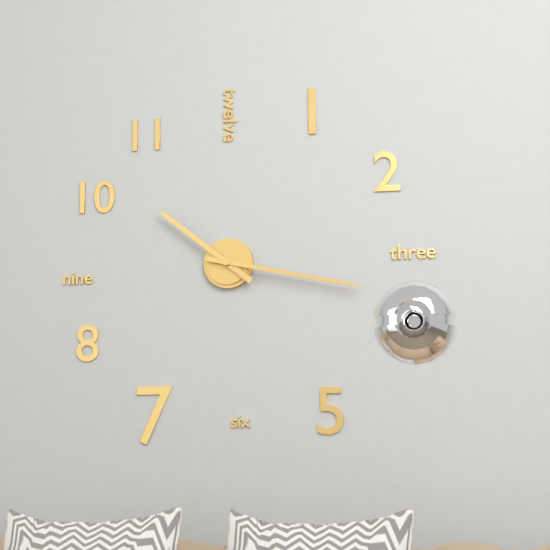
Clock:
10:17
